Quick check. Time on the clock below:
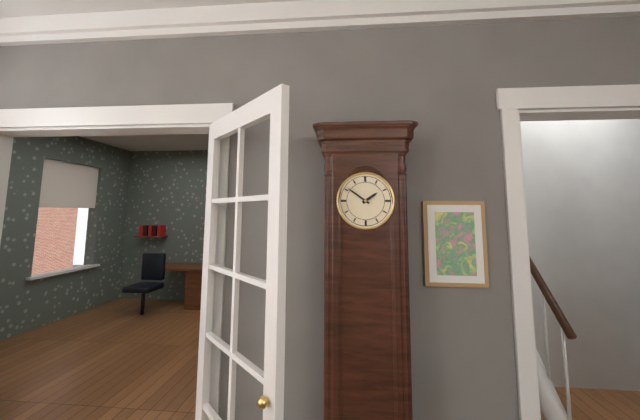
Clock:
1:51
